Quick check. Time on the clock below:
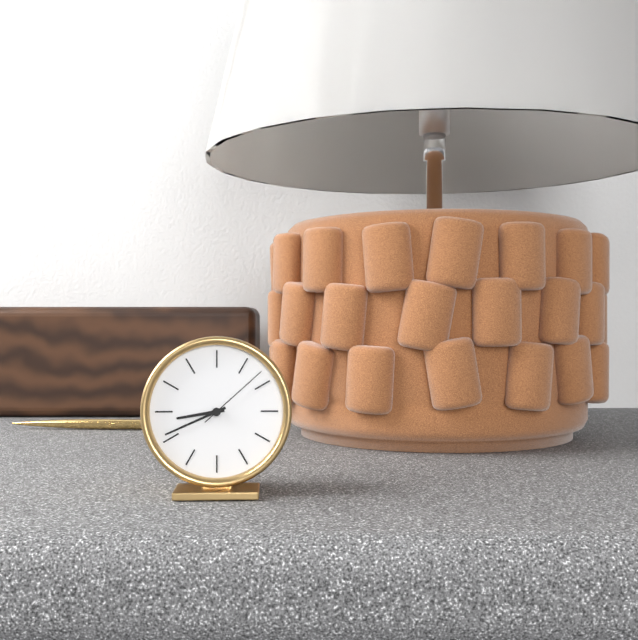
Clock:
8:41:08
